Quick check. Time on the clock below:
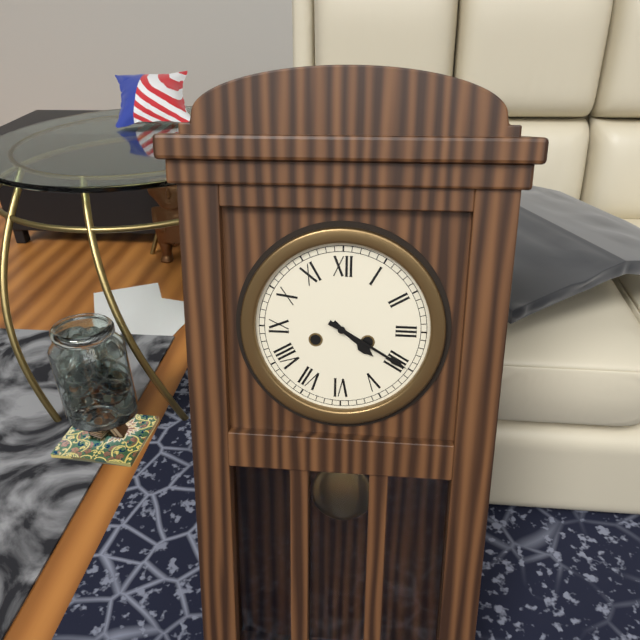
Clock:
4:20
